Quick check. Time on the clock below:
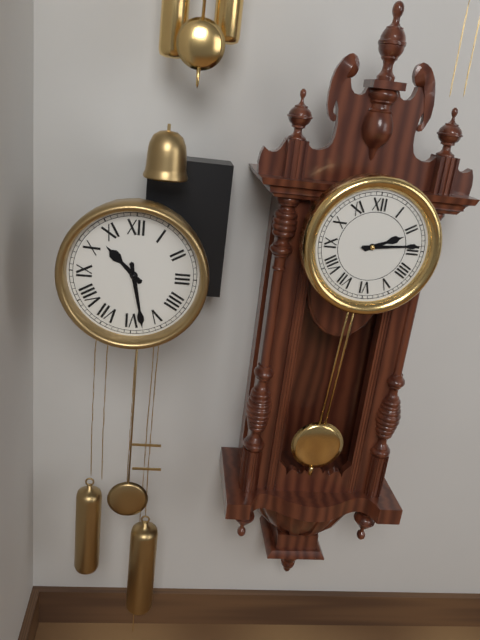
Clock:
10:28
